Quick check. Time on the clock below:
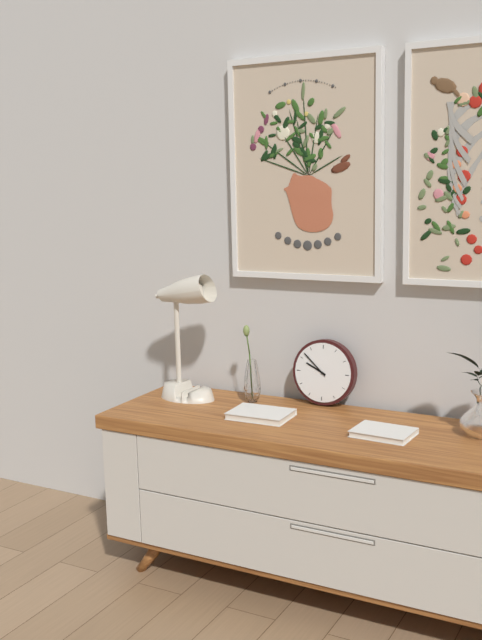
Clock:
9:52
